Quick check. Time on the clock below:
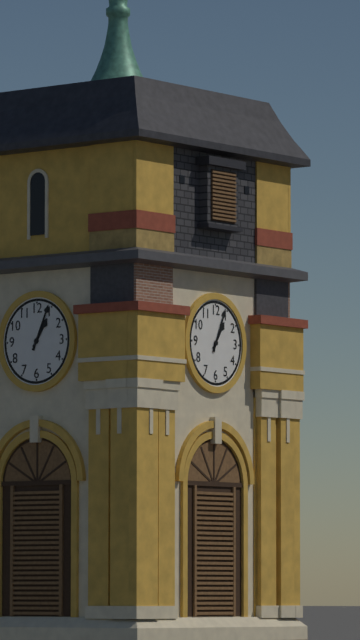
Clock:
1:04
